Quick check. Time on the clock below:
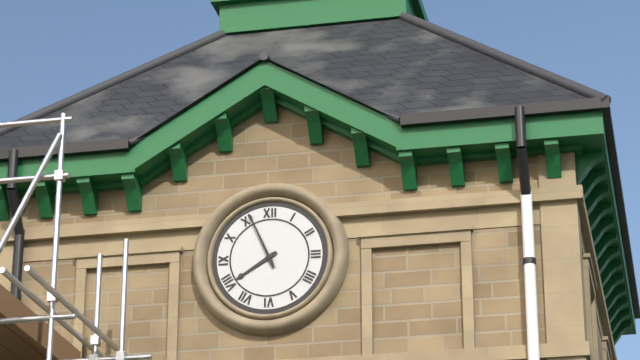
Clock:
7:56
